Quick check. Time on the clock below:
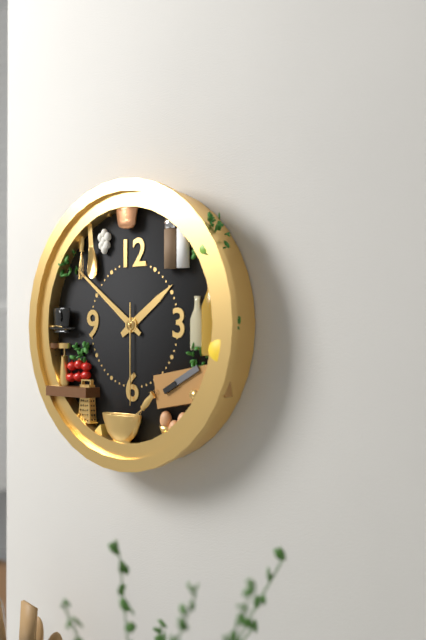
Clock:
1:51:30
